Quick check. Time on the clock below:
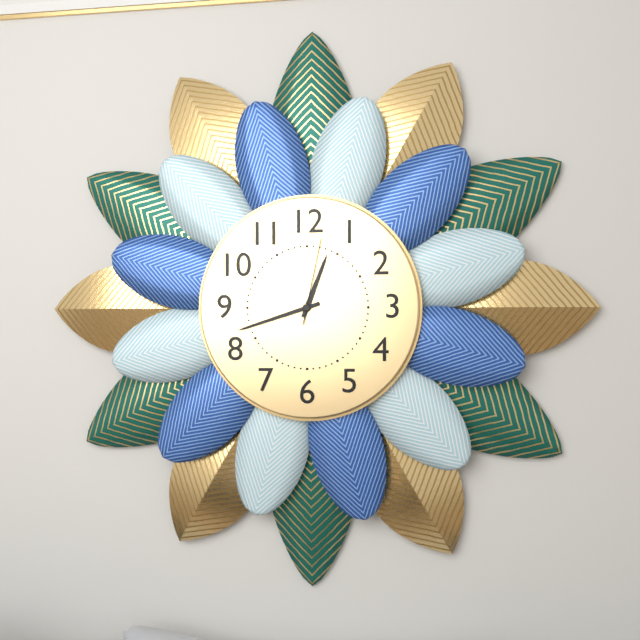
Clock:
12:42:02
